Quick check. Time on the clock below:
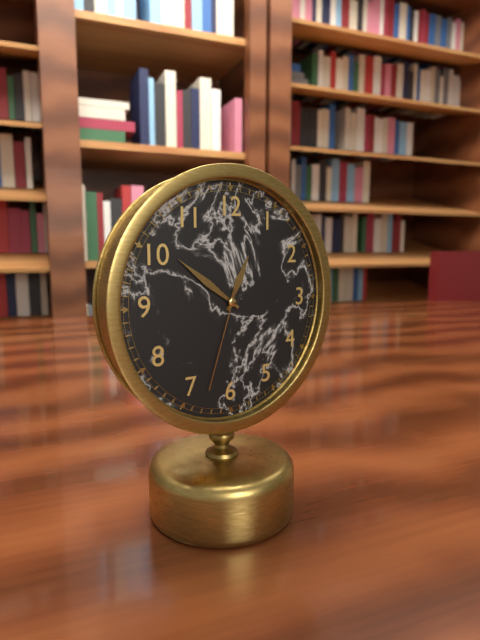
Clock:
12:51:33
